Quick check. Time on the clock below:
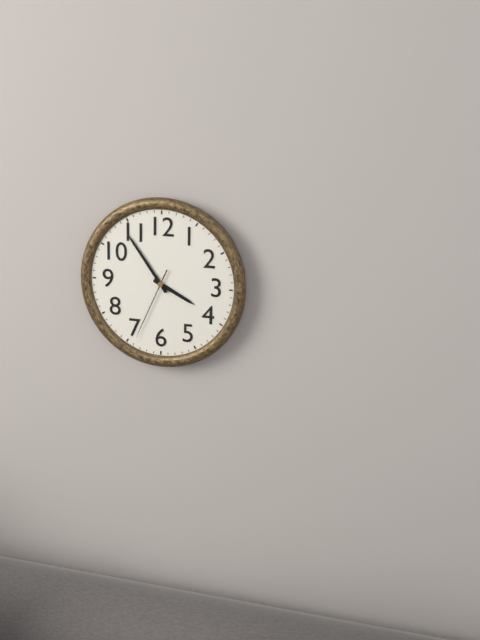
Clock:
3:54:34
